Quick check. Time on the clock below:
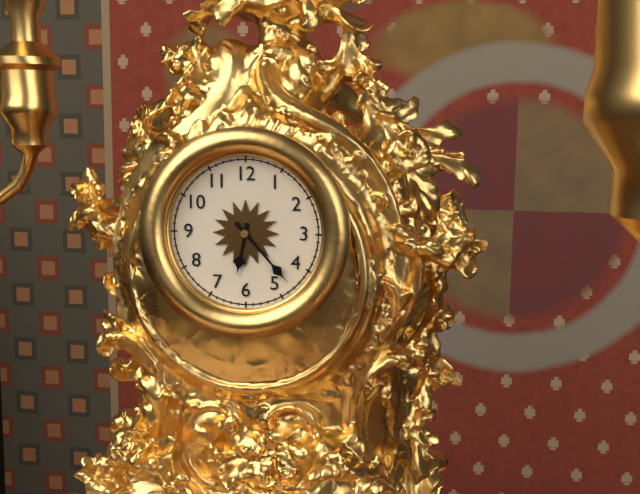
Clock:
6:23
